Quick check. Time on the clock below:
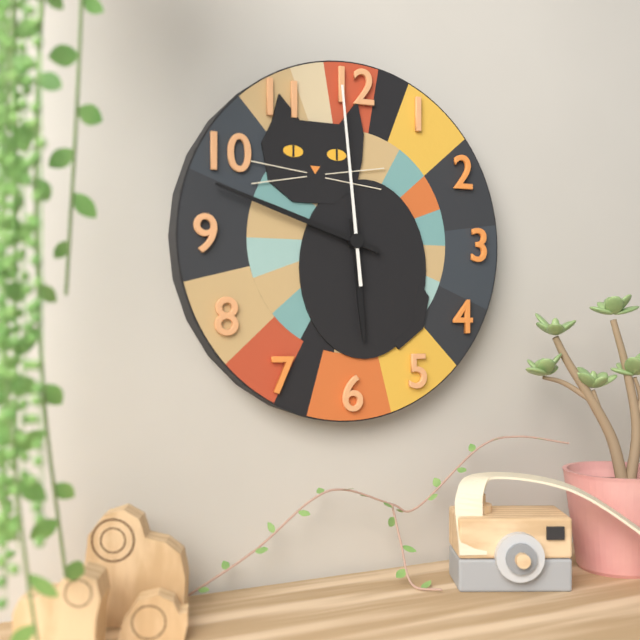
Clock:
5:48:59
